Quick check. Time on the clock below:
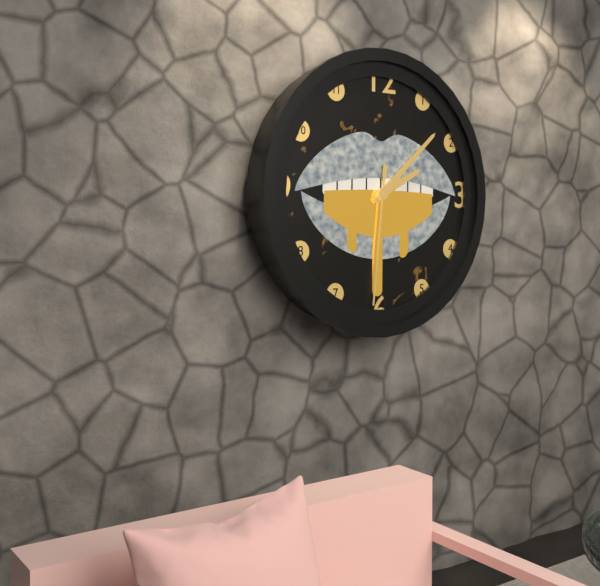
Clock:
2:08:31
